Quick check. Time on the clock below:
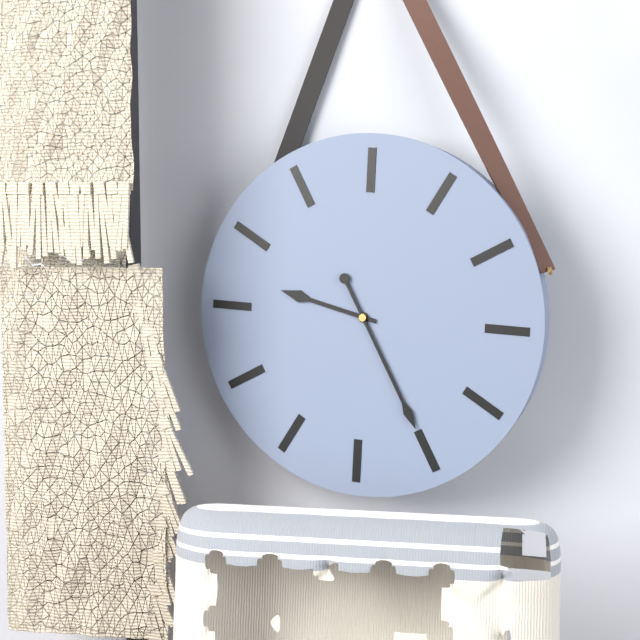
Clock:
9:25
